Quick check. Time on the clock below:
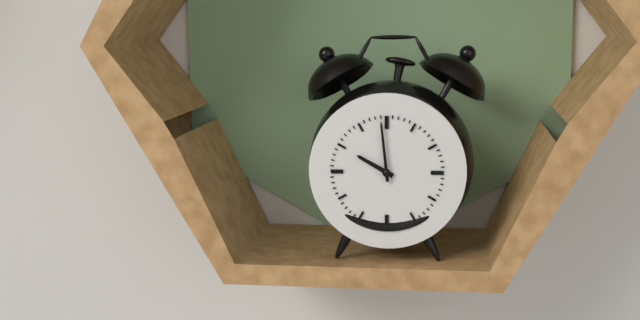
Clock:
9:59
